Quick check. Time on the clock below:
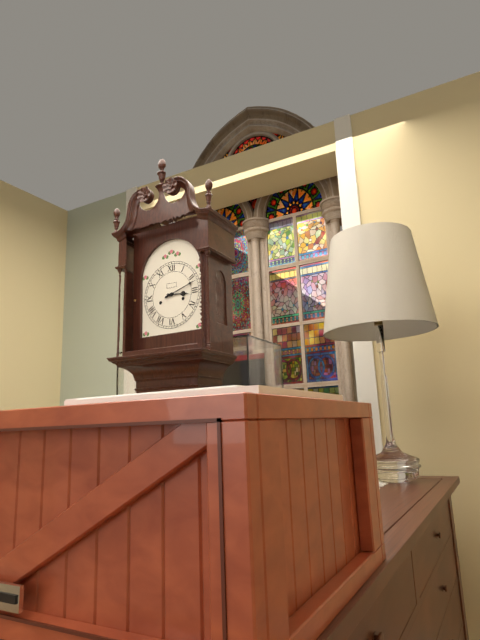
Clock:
3:12
